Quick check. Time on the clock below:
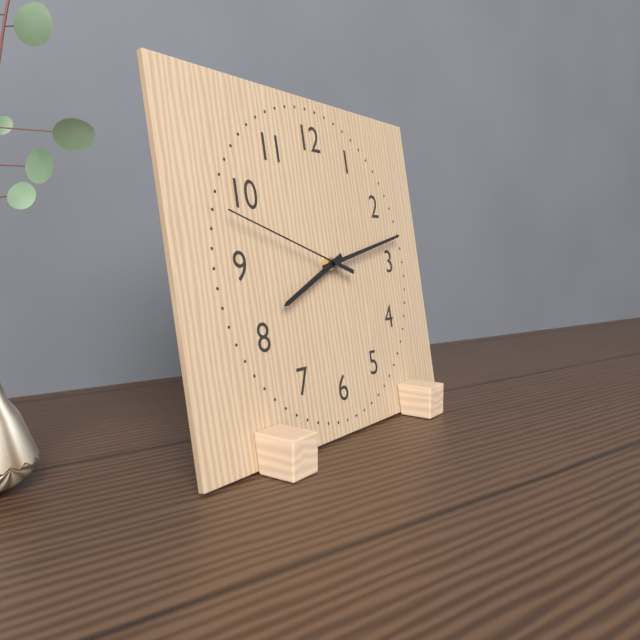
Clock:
8:13:48
